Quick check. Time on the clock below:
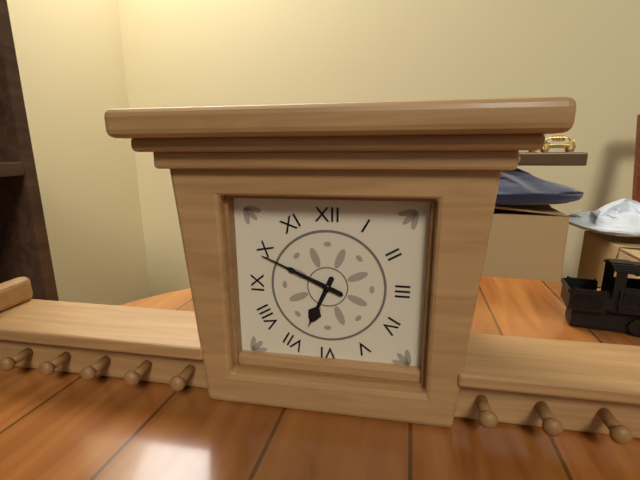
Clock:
6:49
